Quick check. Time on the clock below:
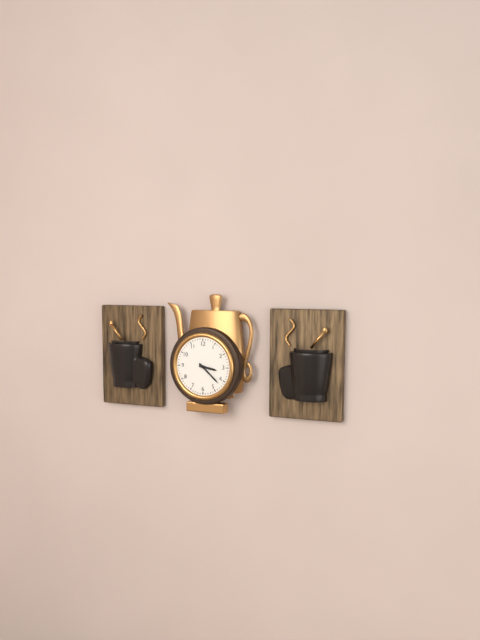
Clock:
3:22
